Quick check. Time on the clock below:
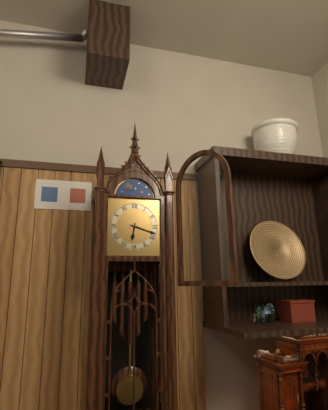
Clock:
6:18
